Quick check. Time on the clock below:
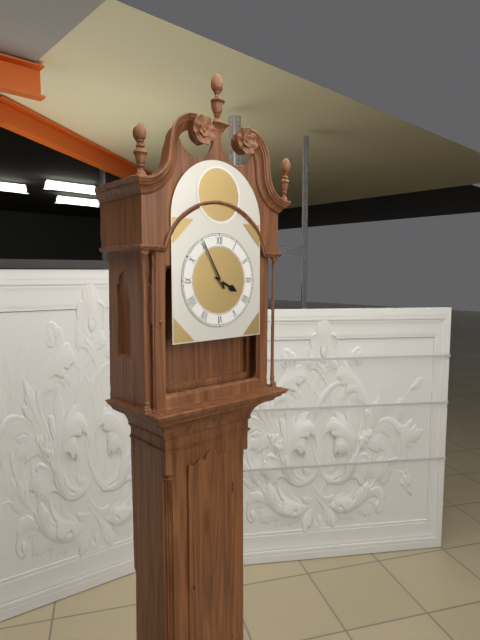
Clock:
3:55
